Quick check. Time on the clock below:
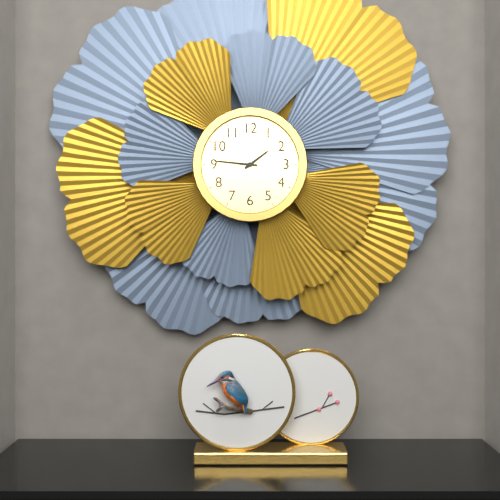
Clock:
1:46
